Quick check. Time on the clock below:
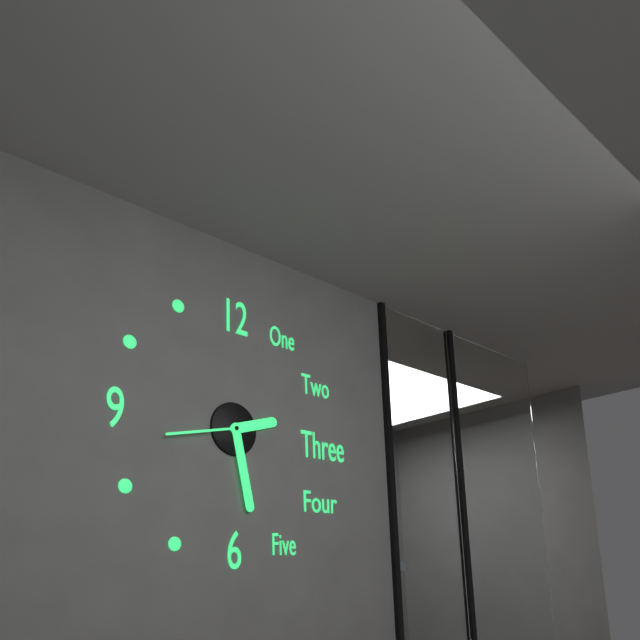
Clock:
2:28:43
